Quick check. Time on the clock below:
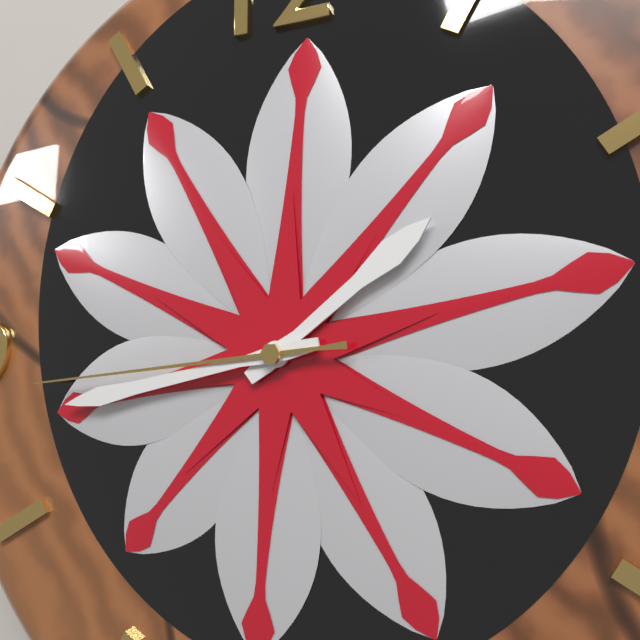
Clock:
1:43:44
